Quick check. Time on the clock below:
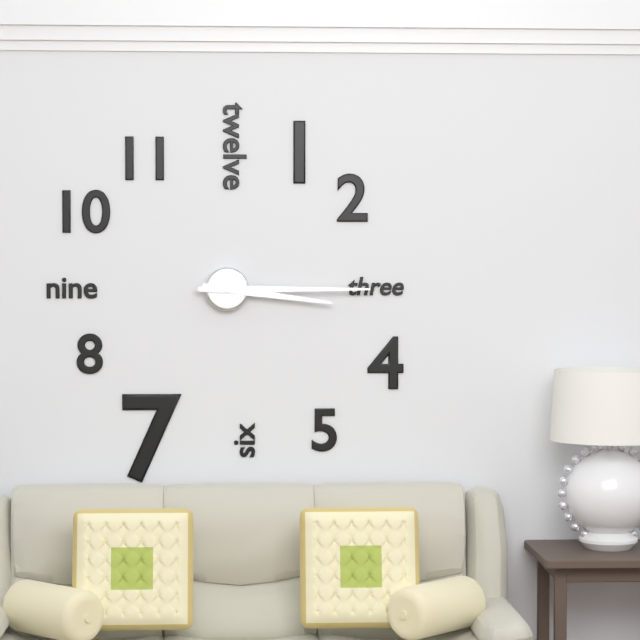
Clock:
3:15
